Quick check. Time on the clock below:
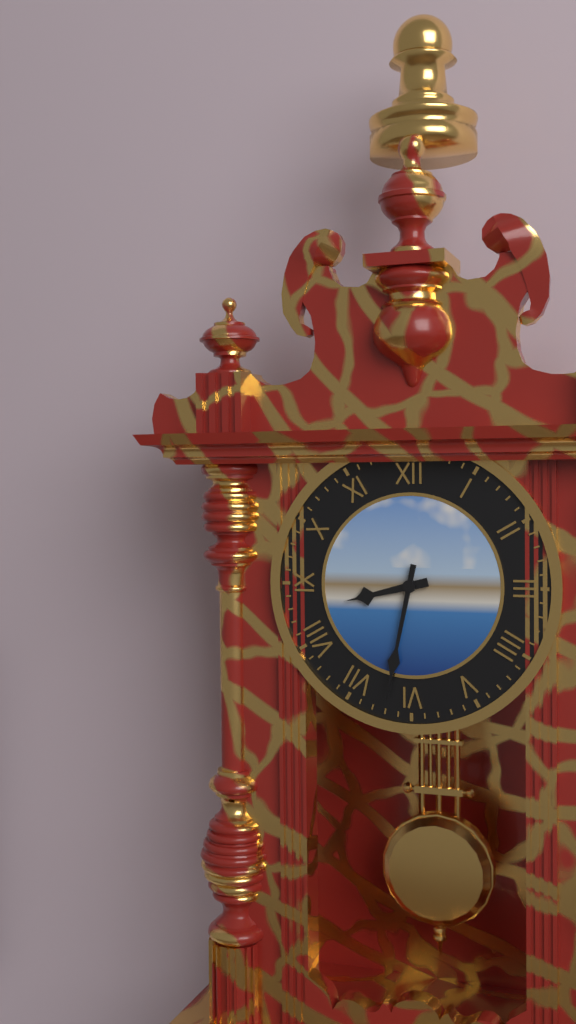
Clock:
8:32
